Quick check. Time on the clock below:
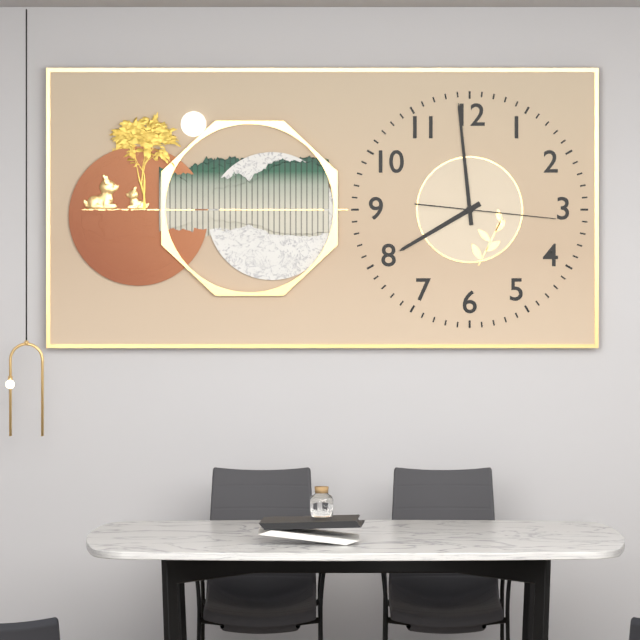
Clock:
7:59:16
